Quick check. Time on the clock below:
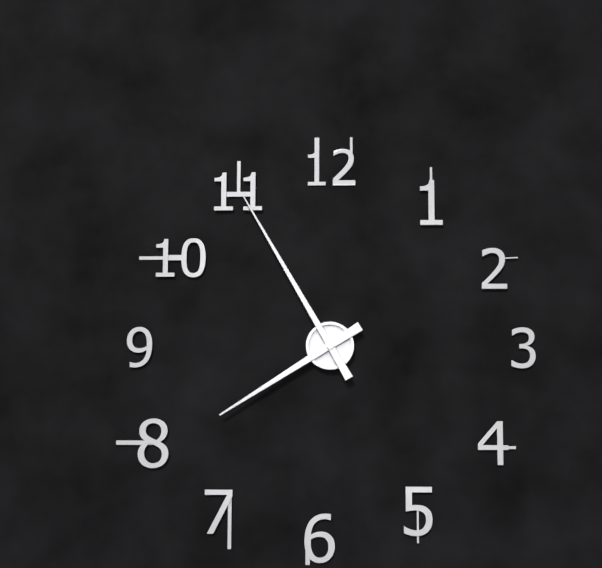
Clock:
7:55
